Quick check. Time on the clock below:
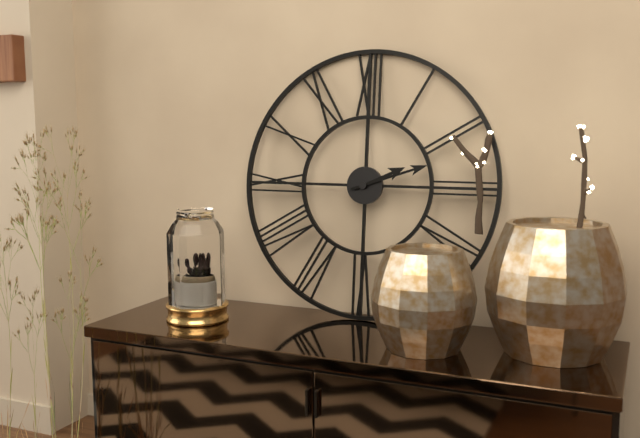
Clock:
2:12
